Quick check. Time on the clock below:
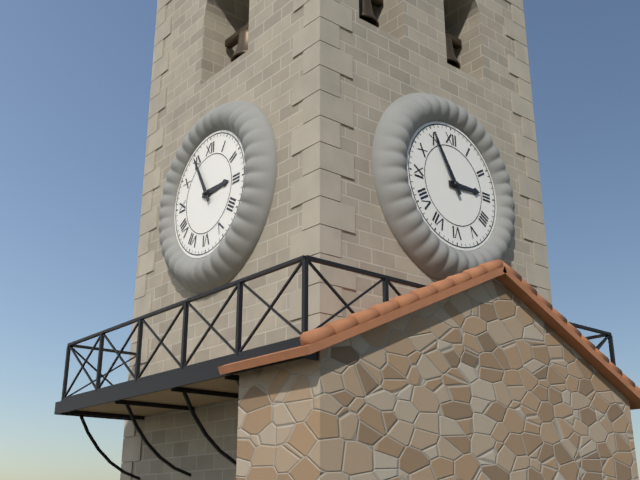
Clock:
2:55
